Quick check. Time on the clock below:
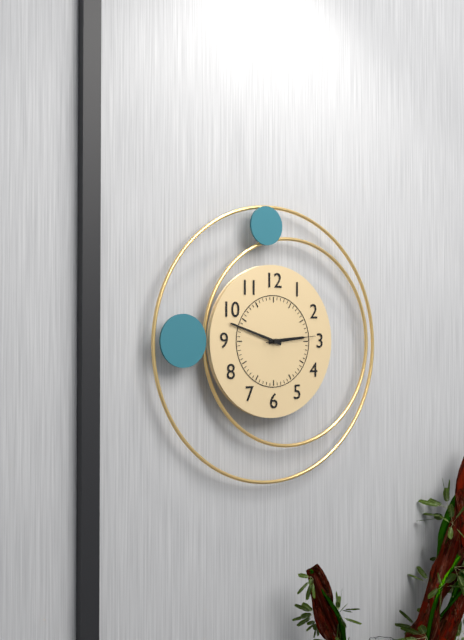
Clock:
2:48:14
